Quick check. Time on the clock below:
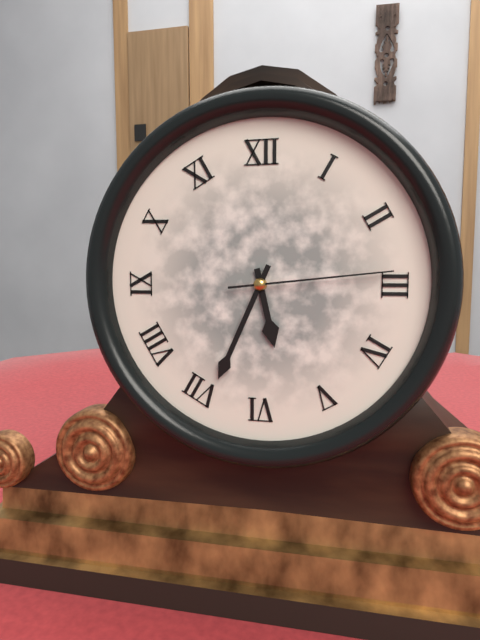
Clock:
5:34:14
